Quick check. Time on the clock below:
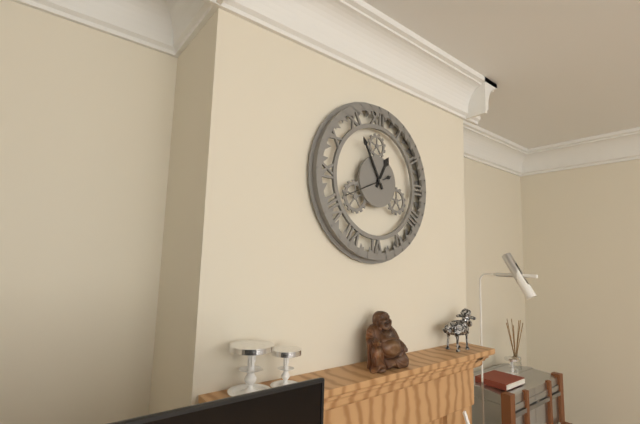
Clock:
12:55
